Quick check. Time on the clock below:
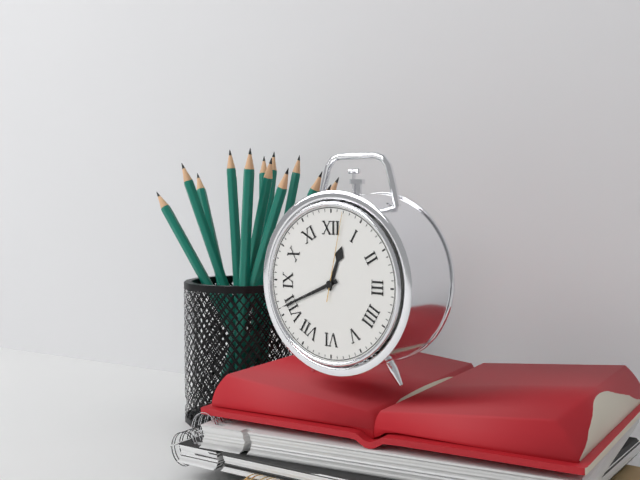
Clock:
12:41:02
